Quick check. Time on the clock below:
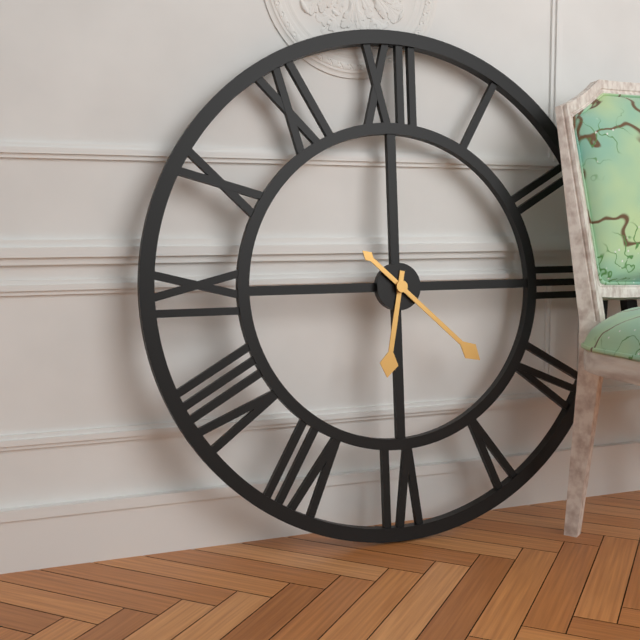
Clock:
6:22
